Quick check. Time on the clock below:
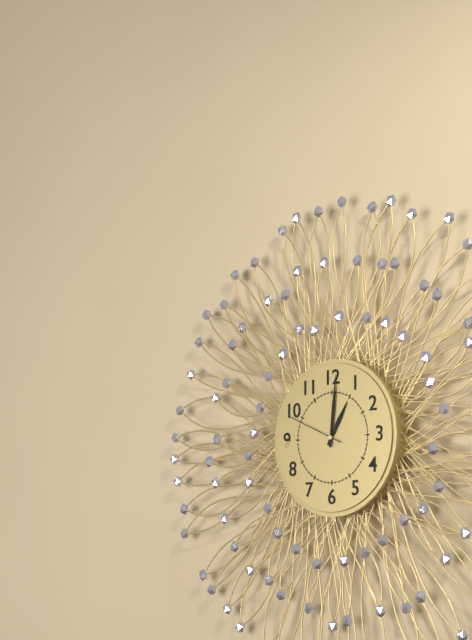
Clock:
1:01:49
